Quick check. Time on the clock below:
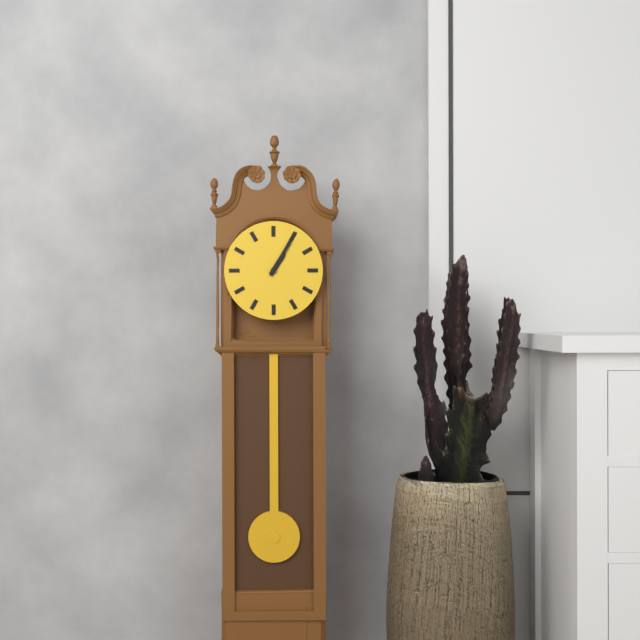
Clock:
1:05
